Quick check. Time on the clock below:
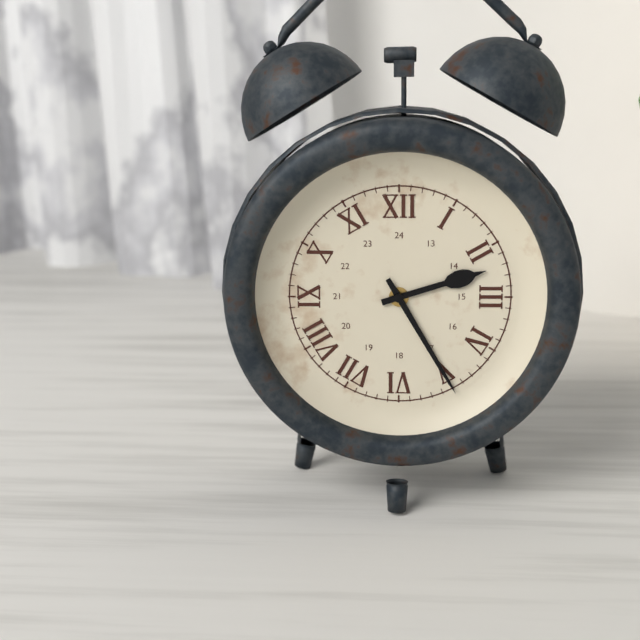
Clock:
2:25
